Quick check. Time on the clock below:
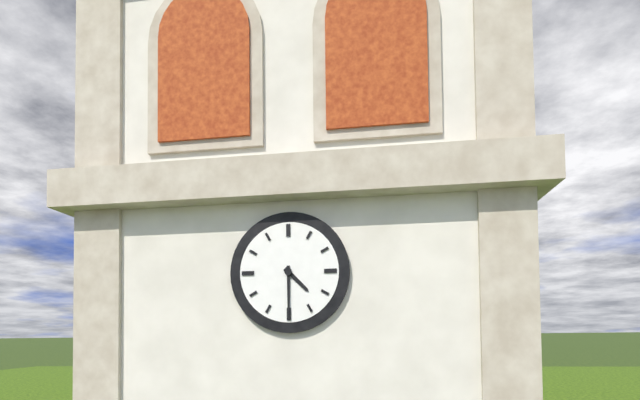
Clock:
4:30
